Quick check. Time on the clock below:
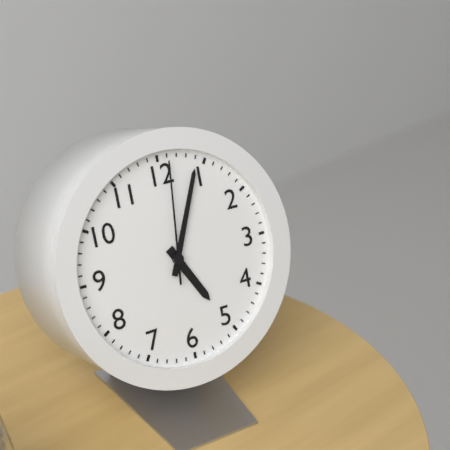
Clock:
5:04:01
